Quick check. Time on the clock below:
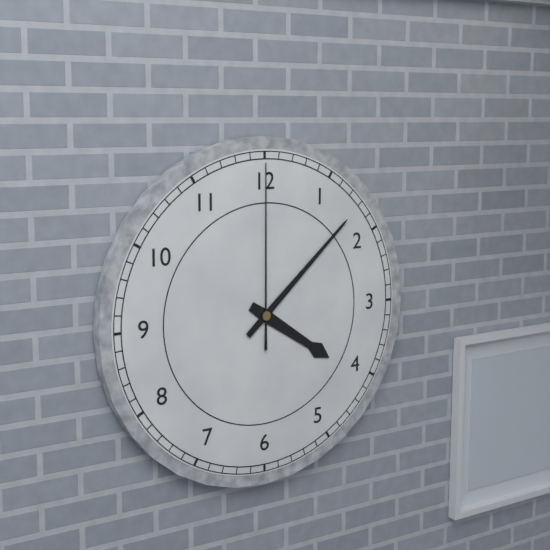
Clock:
4:08:00
